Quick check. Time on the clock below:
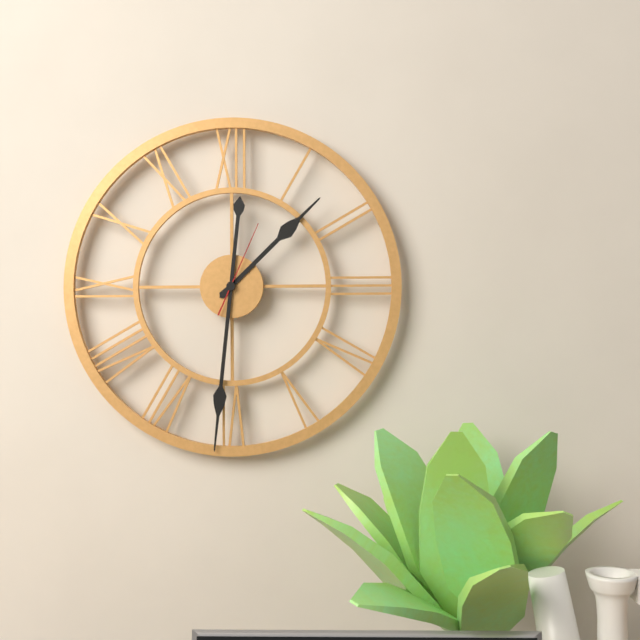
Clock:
1:31:04
